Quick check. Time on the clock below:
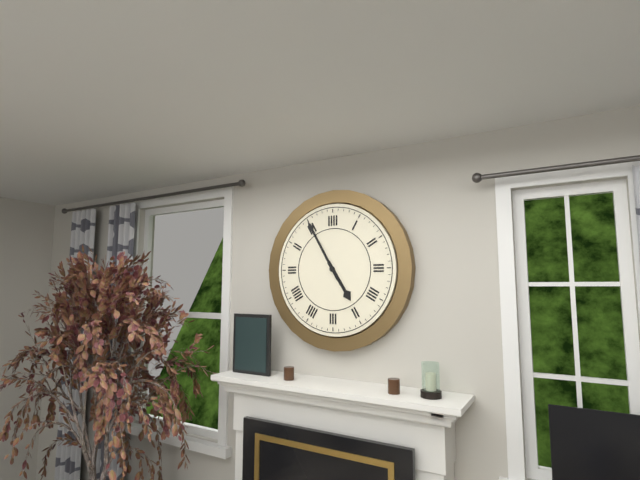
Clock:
4:55
